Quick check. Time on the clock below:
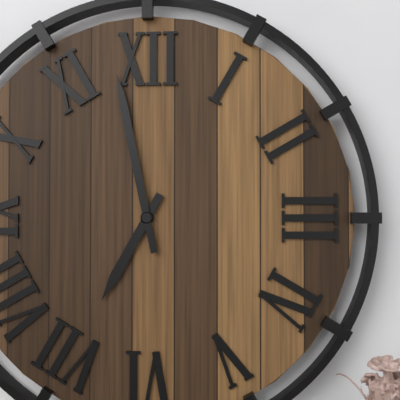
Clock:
6:58
